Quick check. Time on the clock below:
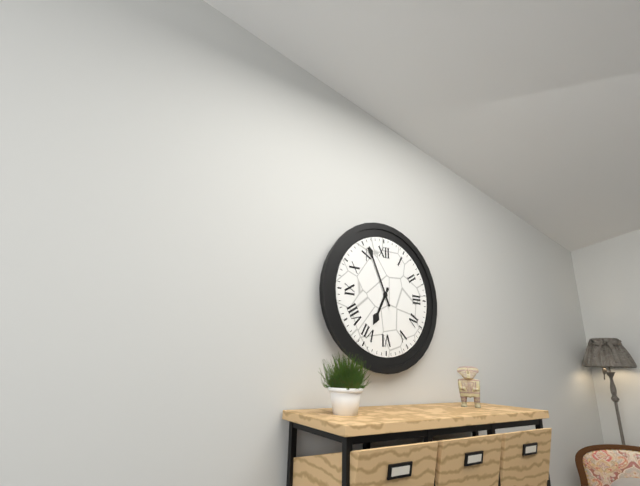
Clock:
6:56
